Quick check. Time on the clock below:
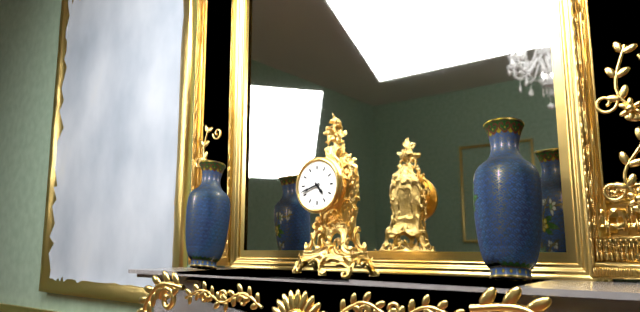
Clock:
4:42
